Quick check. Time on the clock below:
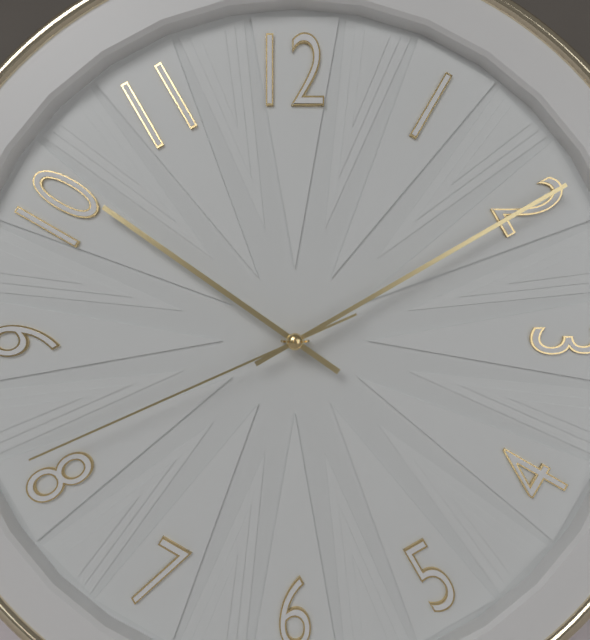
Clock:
10:10:41
